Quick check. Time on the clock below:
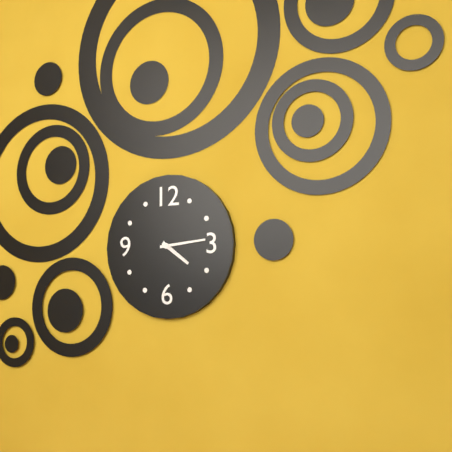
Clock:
4:14
